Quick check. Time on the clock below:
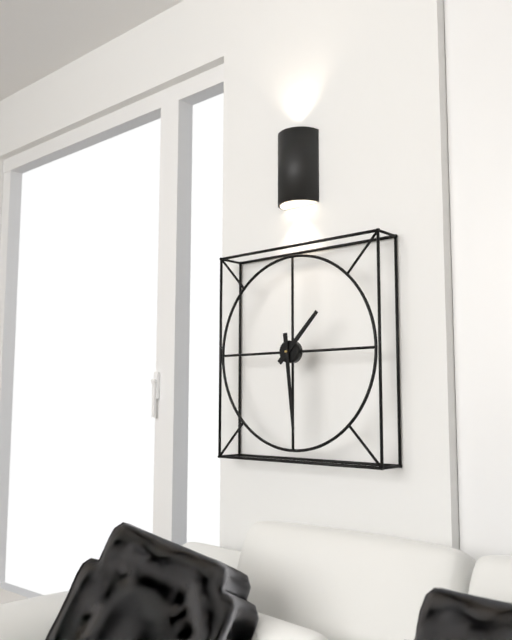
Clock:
1:29
